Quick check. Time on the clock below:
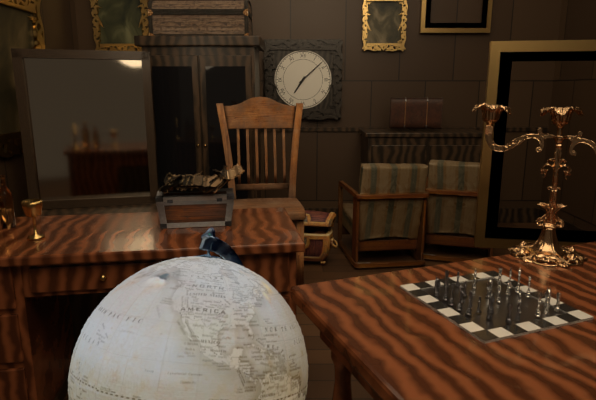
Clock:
7:08
